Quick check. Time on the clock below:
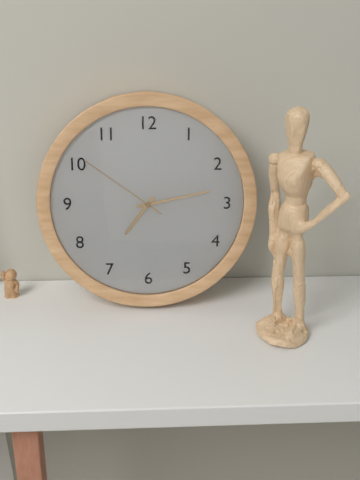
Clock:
7:13:51
